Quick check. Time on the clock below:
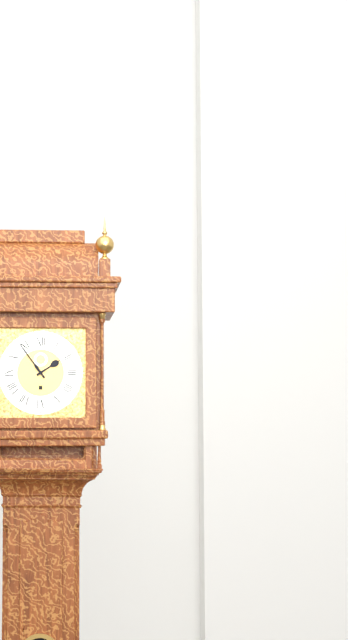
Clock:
1:54
